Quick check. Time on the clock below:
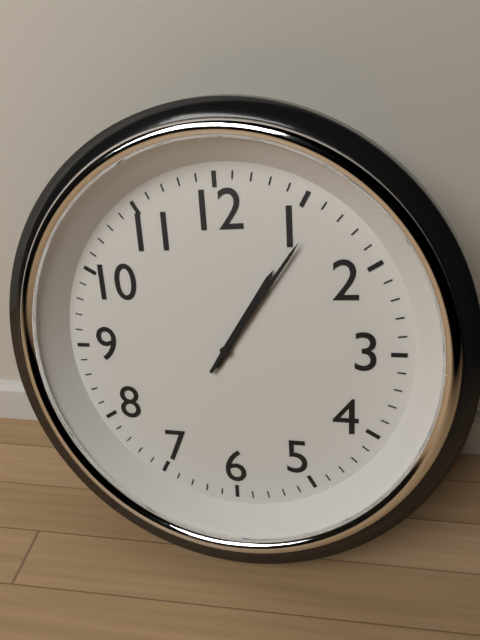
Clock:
1:06
